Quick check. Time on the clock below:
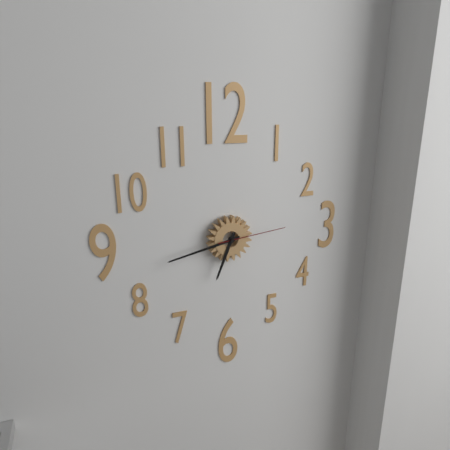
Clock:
6:43:14
